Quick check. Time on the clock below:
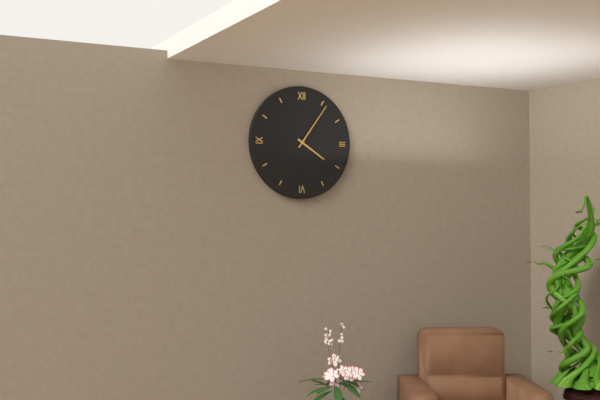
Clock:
4:06
